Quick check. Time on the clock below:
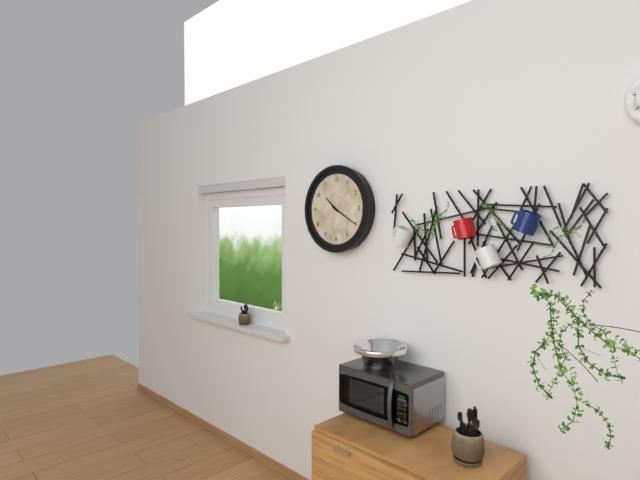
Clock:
10:20
